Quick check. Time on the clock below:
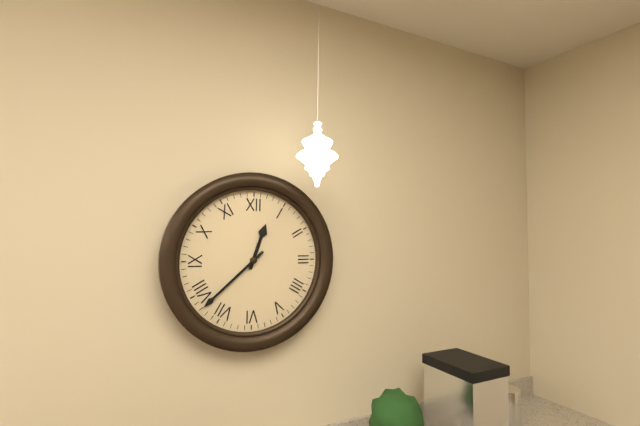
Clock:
12:38
